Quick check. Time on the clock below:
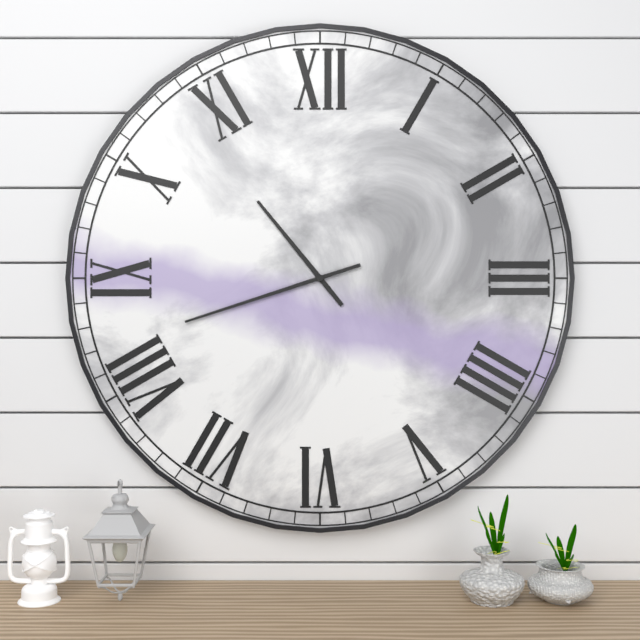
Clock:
10:42
